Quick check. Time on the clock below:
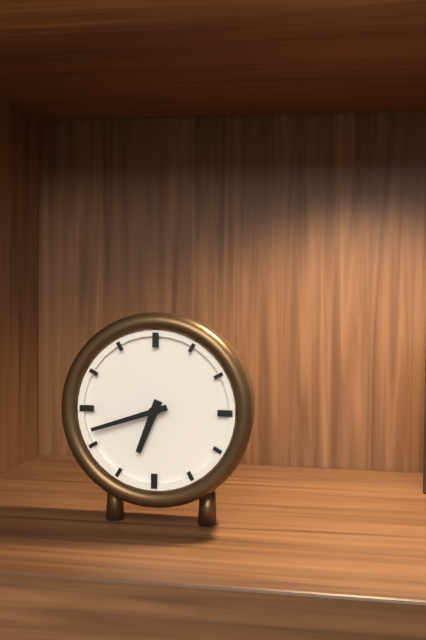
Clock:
6:42
